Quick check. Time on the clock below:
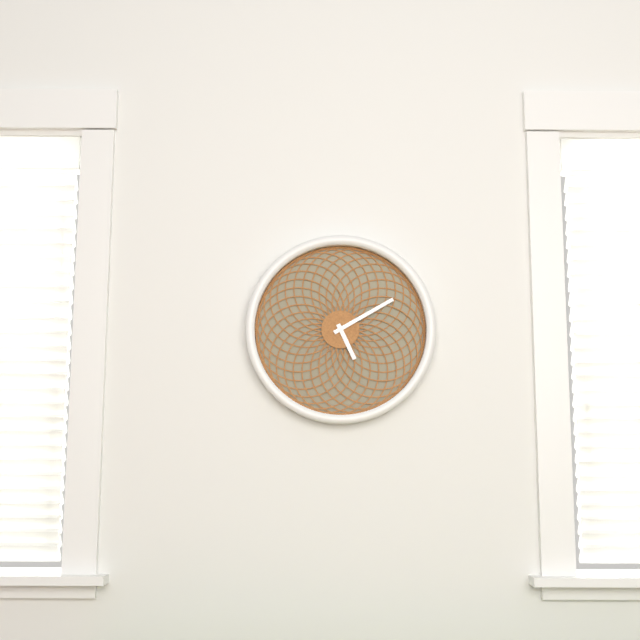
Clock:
5:10
